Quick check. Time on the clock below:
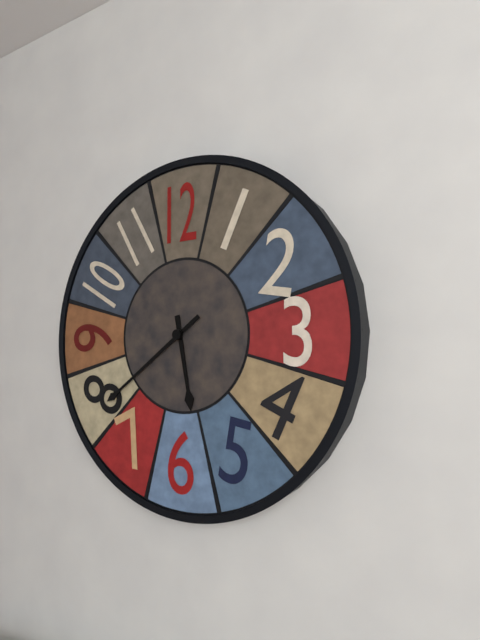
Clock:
5:39
